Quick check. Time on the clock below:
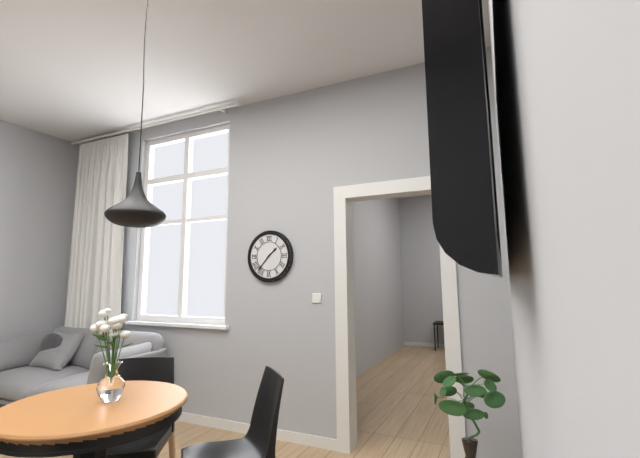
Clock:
1:37
